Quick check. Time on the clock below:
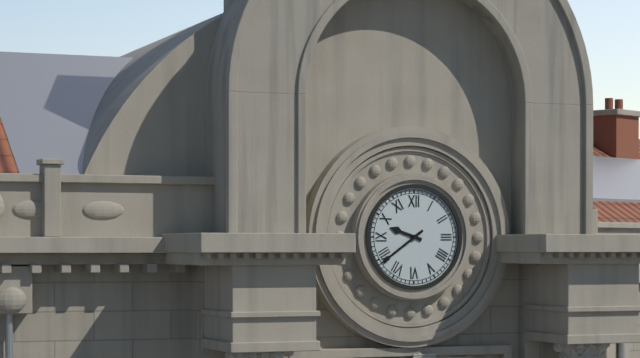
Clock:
9:39
